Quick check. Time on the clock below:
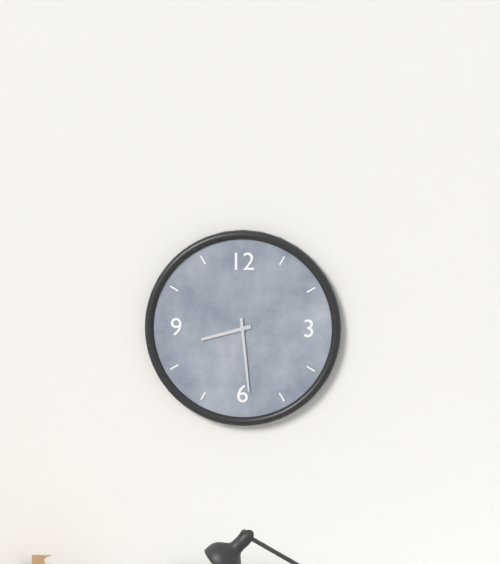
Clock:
8:29
